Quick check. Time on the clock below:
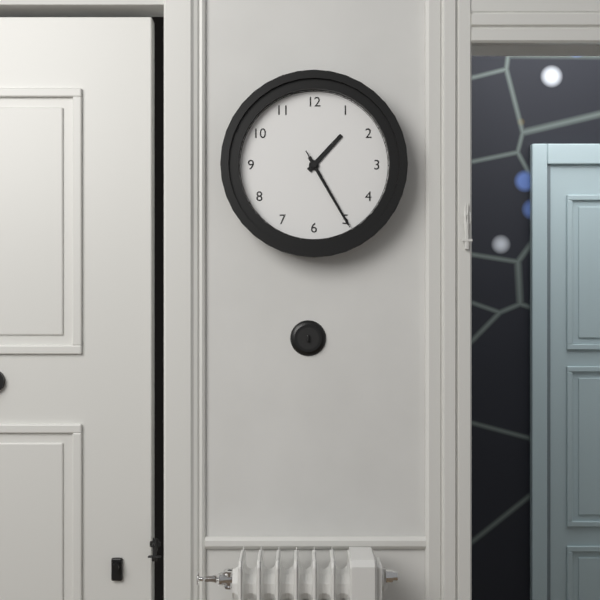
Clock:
1:25:25
